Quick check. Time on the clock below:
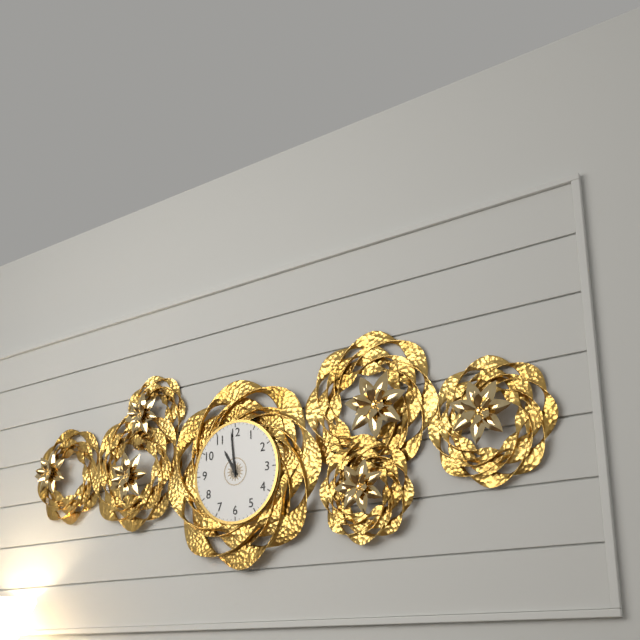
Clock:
10:59
